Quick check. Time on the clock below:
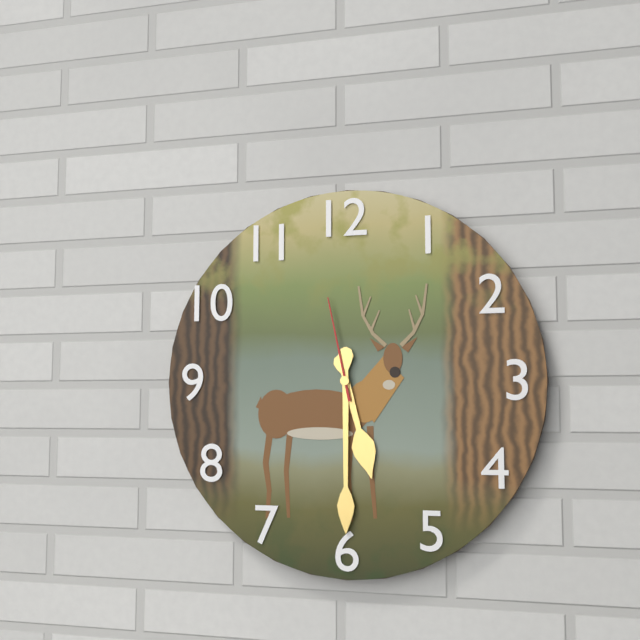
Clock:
5:30:58
